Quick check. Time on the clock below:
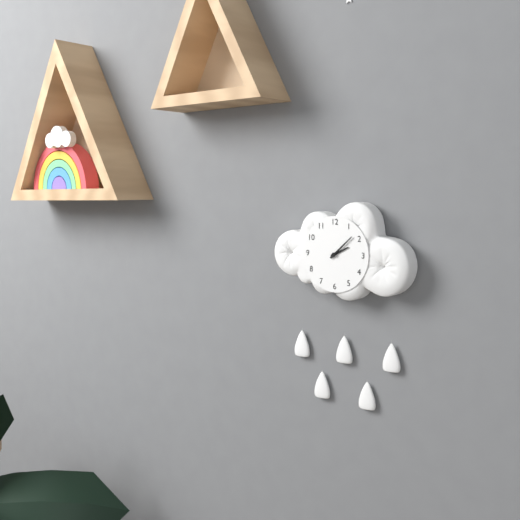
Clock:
2:08
